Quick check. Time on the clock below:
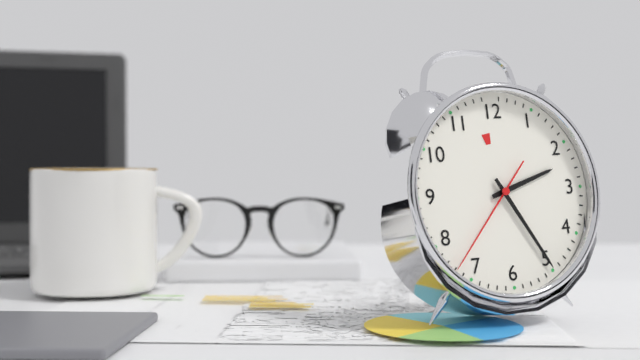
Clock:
2:25:37
